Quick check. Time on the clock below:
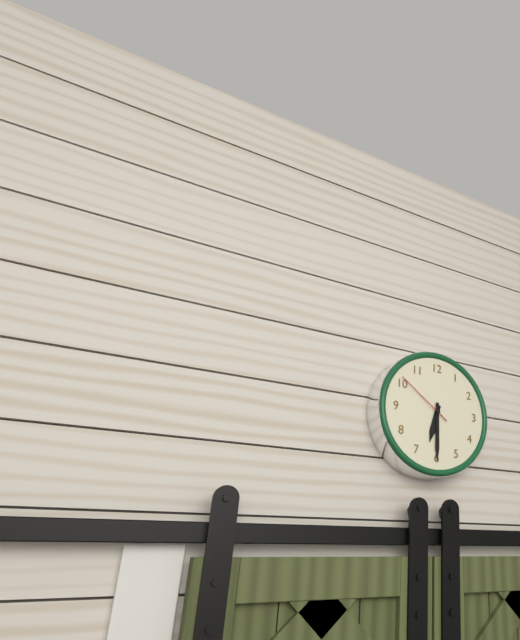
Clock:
6:30:51
